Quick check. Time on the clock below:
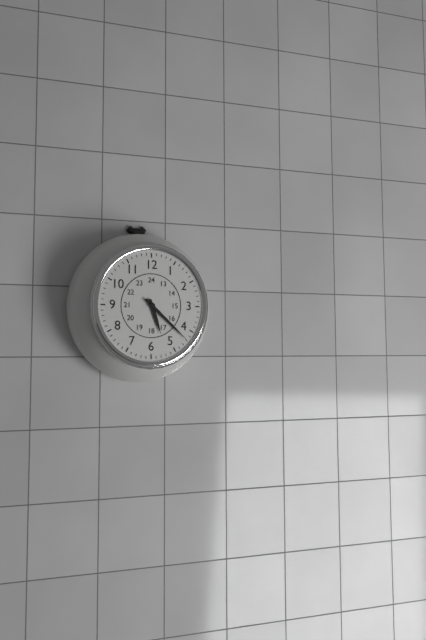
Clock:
5:22
